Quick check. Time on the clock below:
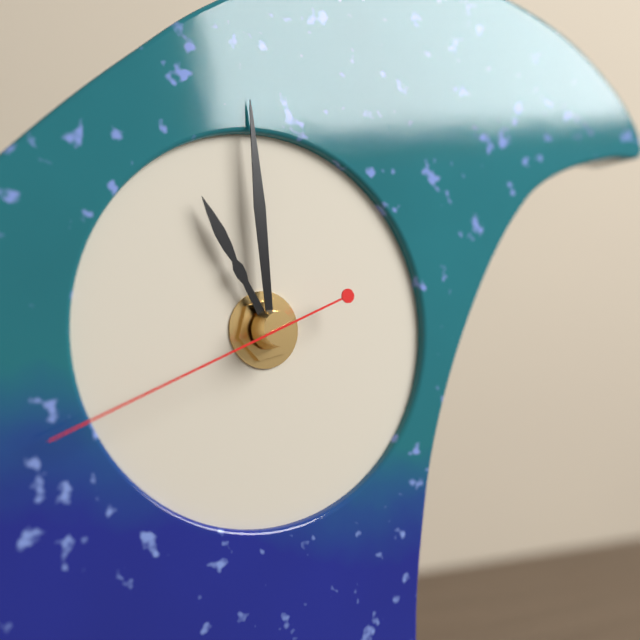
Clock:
10:59:41
